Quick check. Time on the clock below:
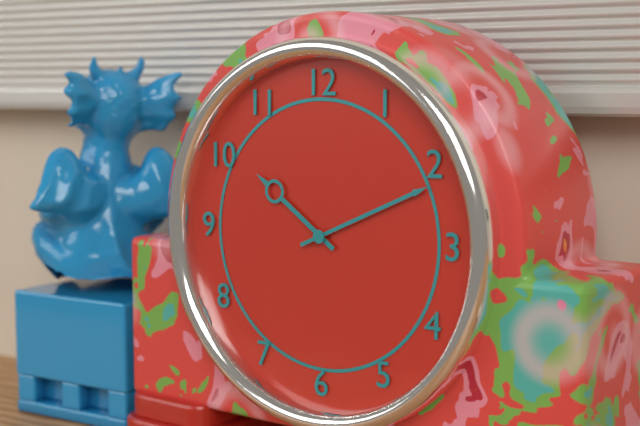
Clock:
10:11
